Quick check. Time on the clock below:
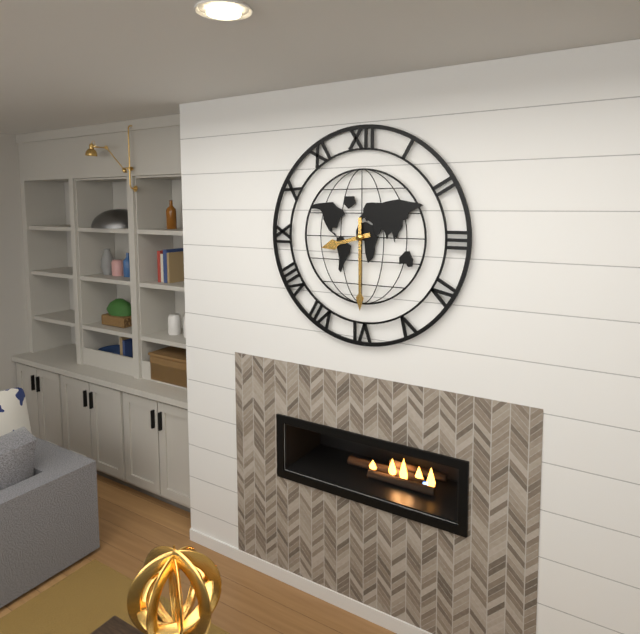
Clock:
8:30
